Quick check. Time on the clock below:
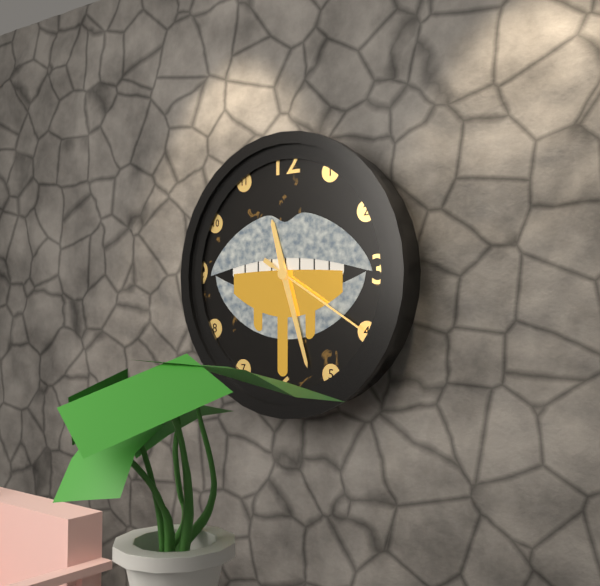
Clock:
11:27:20
